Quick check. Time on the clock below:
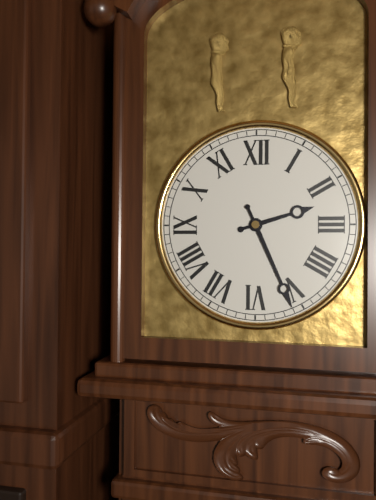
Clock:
2:26
